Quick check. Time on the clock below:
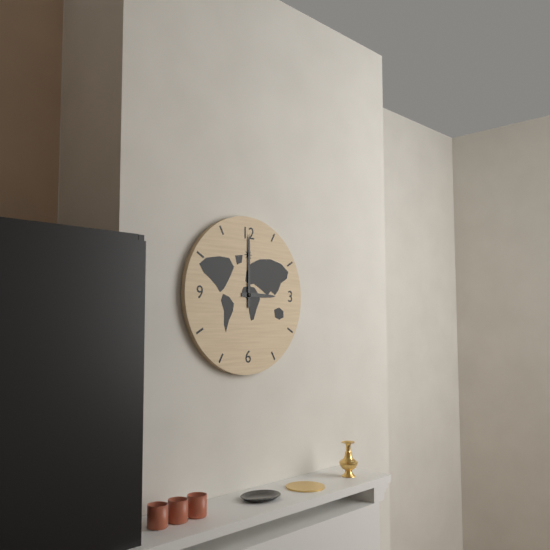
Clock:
3:00
